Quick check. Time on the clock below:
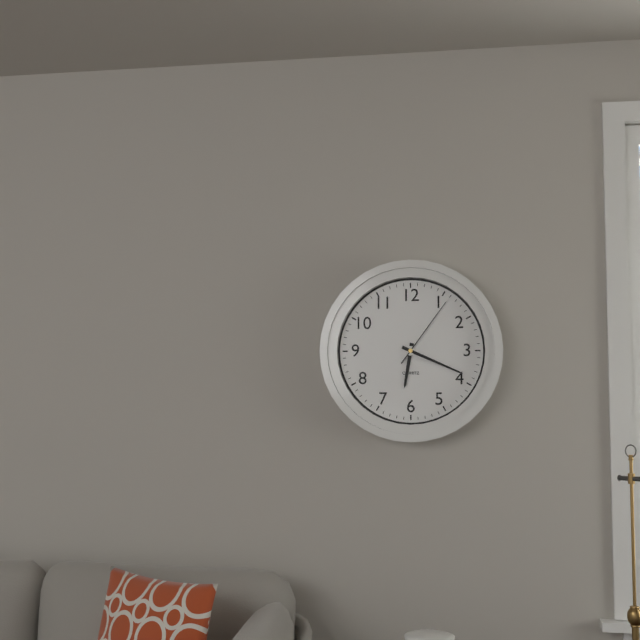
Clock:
6:19:06
